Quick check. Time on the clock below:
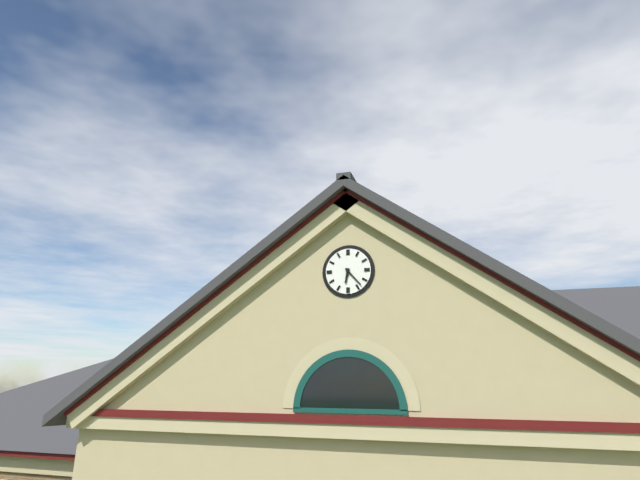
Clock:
6:23
